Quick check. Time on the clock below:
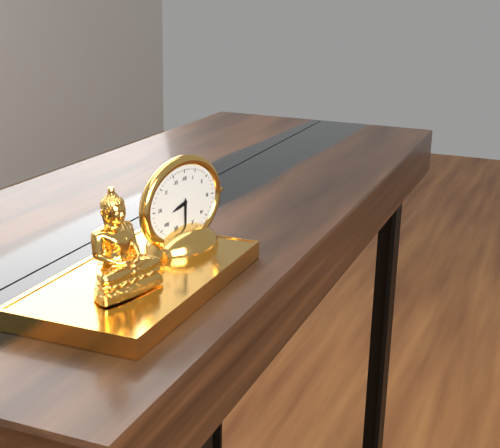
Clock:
8:30
